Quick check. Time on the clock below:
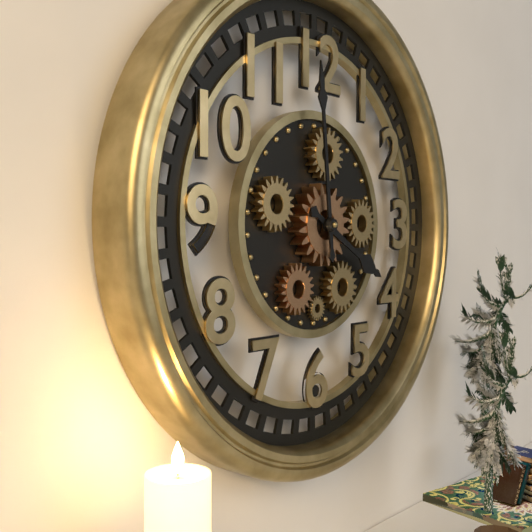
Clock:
3:59
